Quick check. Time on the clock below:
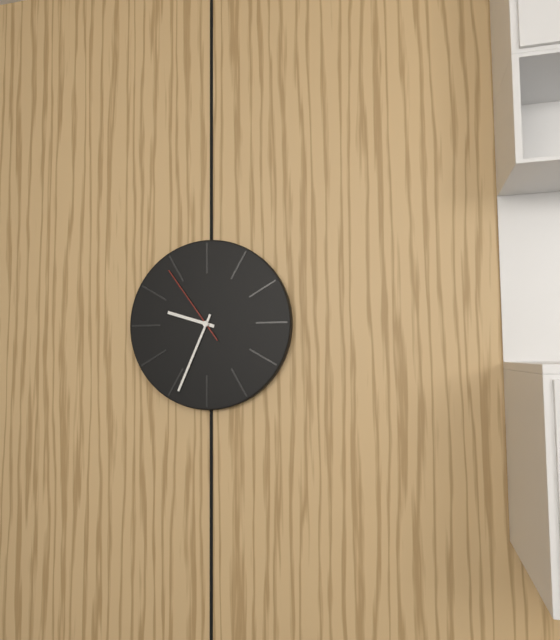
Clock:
9:34:54
